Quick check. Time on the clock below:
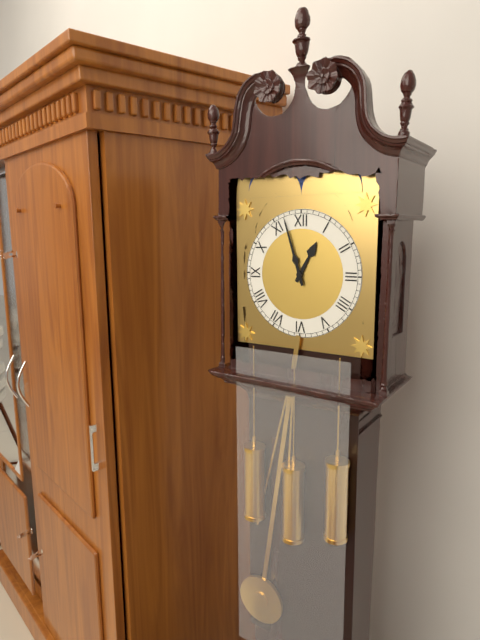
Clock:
12:57
